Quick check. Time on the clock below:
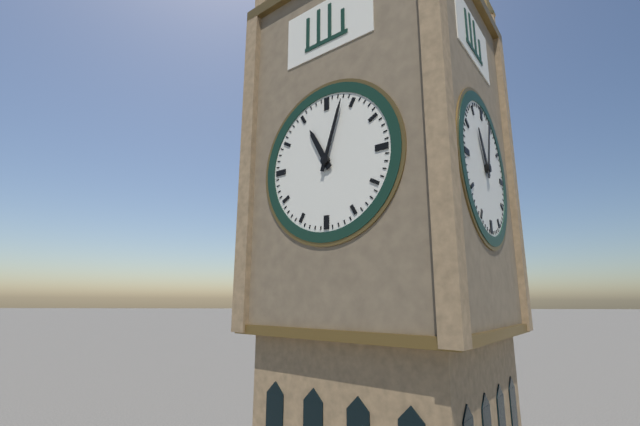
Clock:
11:03
